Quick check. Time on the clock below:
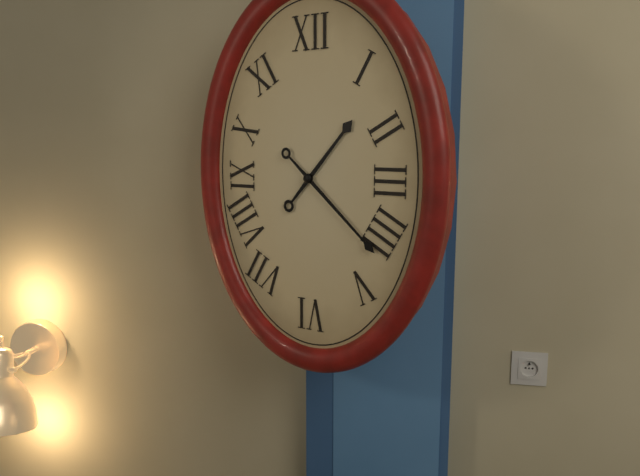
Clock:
1:22
